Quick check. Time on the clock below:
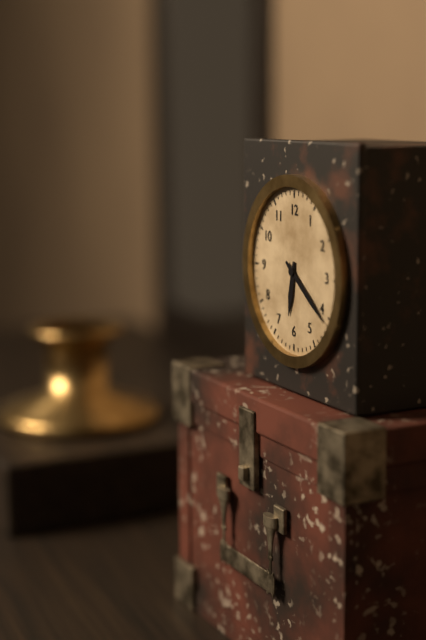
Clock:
6:21
